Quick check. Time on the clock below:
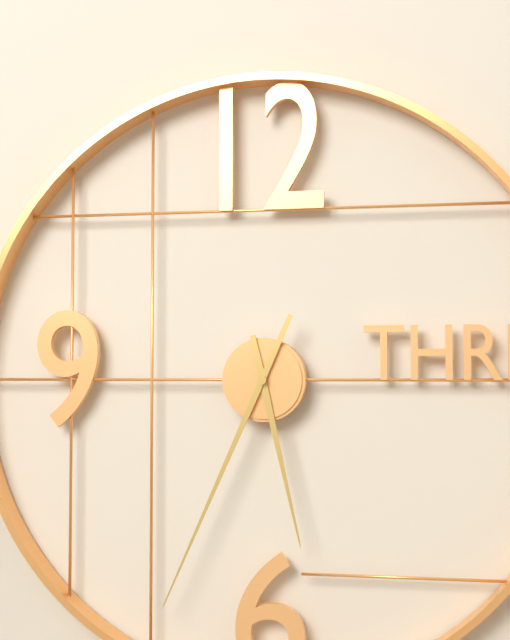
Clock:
5:34
